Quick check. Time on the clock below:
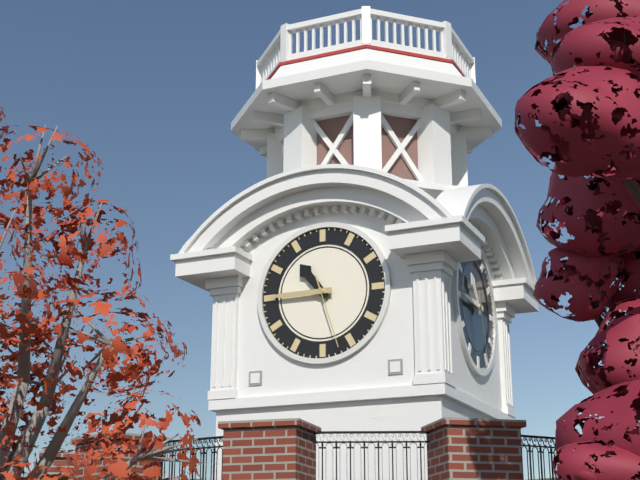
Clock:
10:45:27
